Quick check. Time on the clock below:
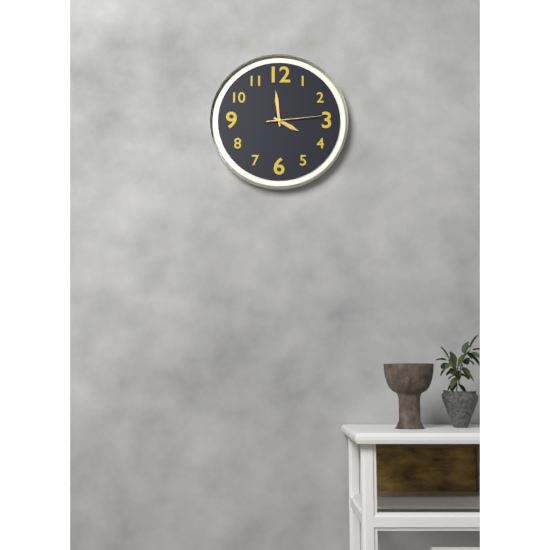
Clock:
3:59:14
